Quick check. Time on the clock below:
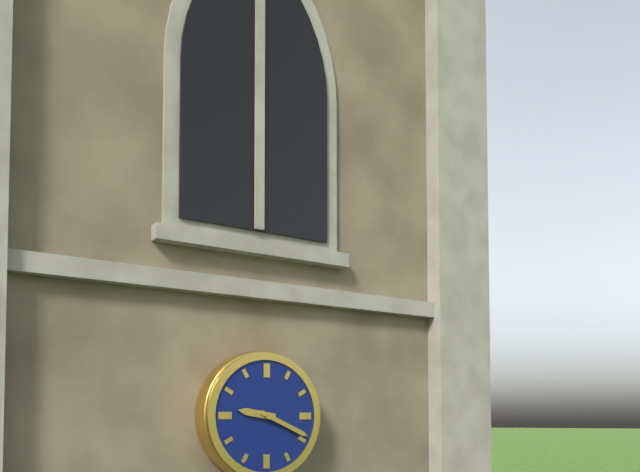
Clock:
9:19
